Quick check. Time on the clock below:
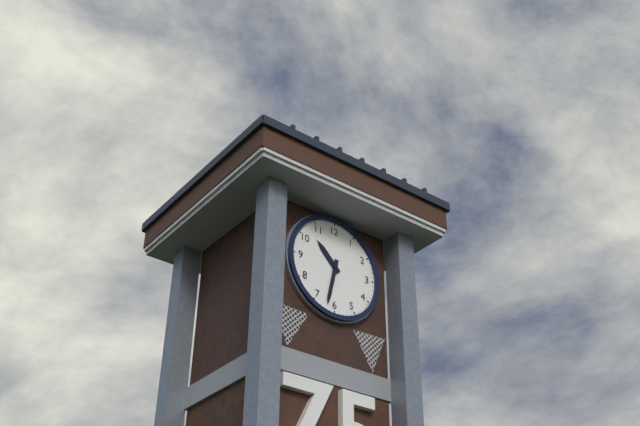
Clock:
10:32
